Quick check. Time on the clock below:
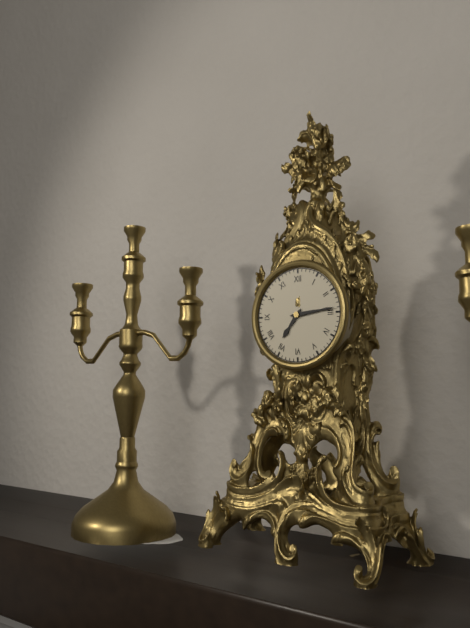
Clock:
7:14
